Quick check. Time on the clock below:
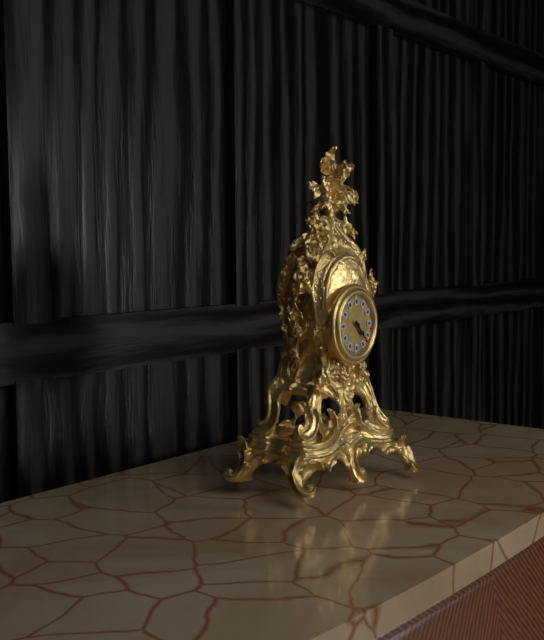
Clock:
4:23
